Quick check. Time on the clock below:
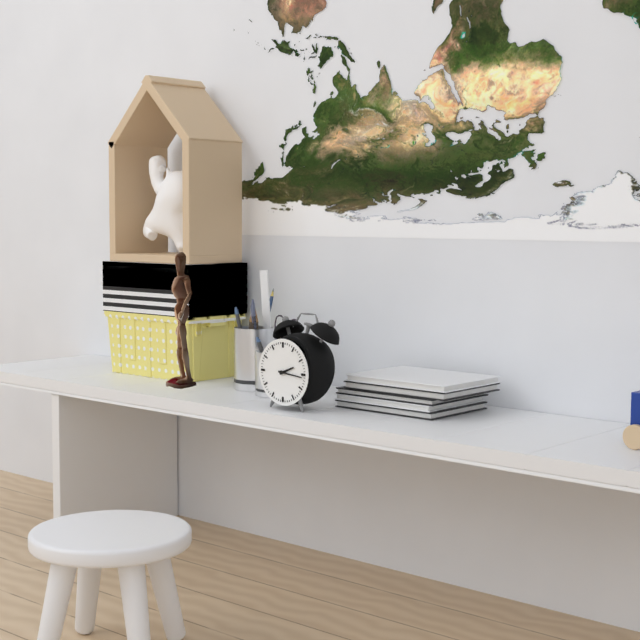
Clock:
2:16
